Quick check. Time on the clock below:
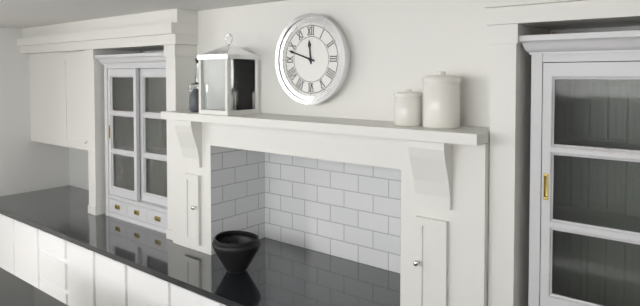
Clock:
11:48
